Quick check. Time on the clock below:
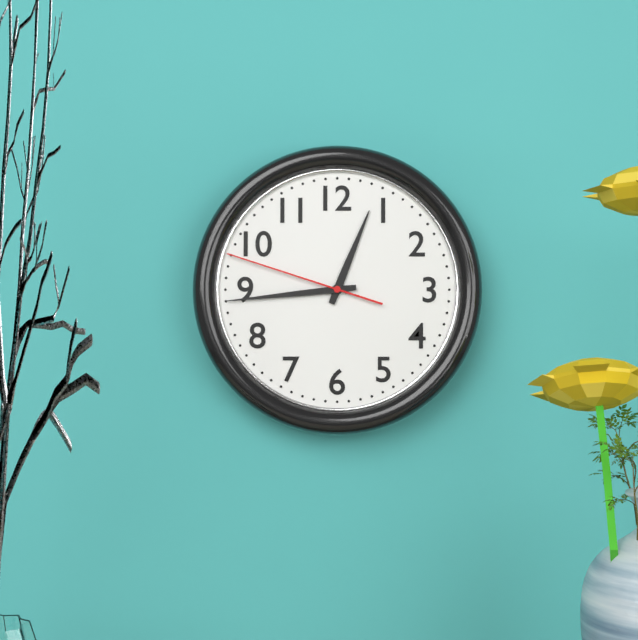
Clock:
12:44:48
